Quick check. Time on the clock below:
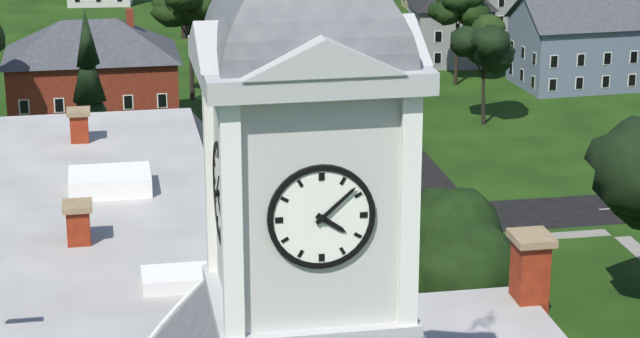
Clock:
4:08
